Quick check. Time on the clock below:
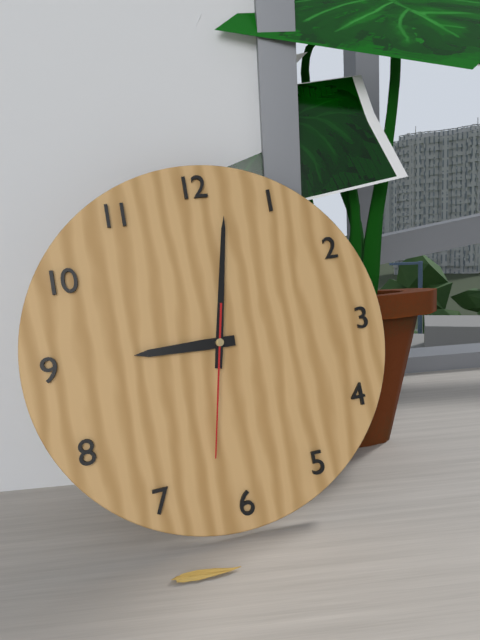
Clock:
9:02:32
